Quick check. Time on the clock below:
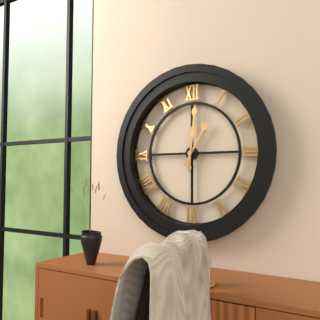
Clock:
1:01
